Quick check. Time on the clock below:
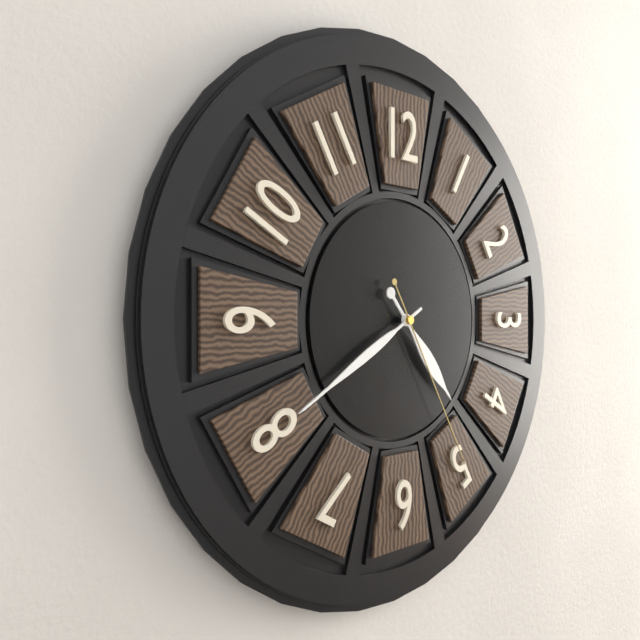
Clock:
4:40:25
